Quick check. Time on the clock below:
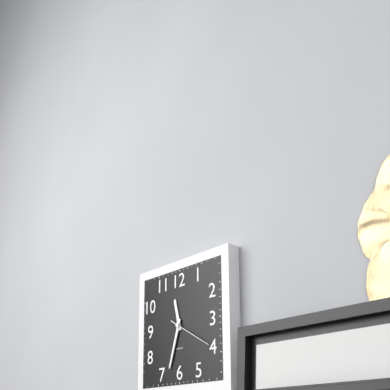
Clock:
11:33
